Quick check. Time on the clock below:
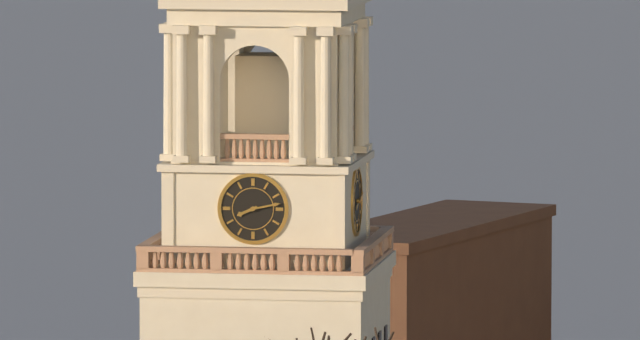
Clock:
8:13
